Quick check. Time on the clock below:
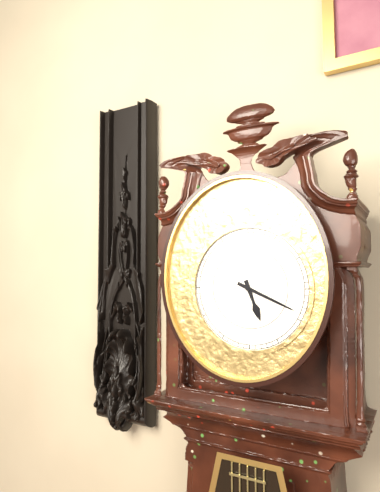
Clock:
5:19
